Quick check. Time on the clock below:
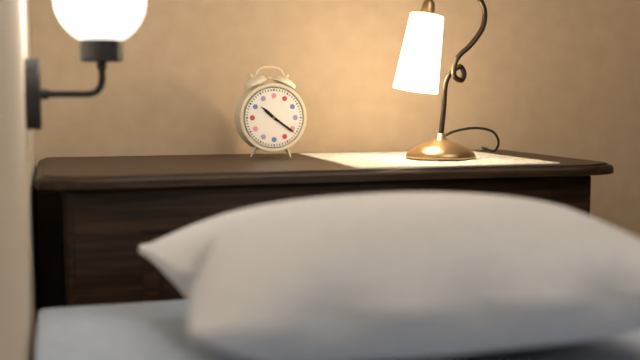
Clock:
10:21
